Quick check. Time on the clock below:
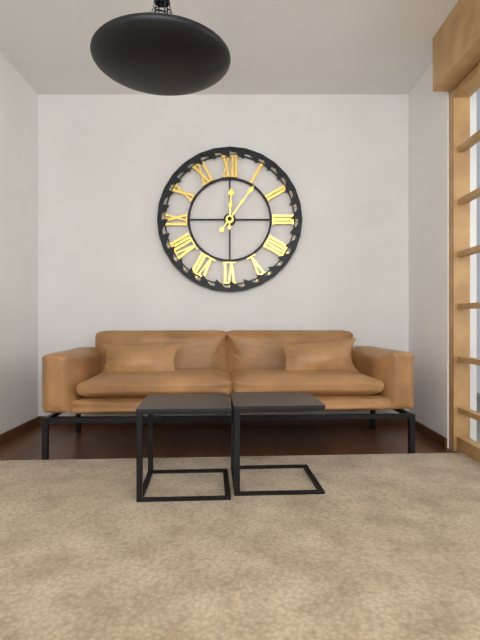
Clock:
12:06
